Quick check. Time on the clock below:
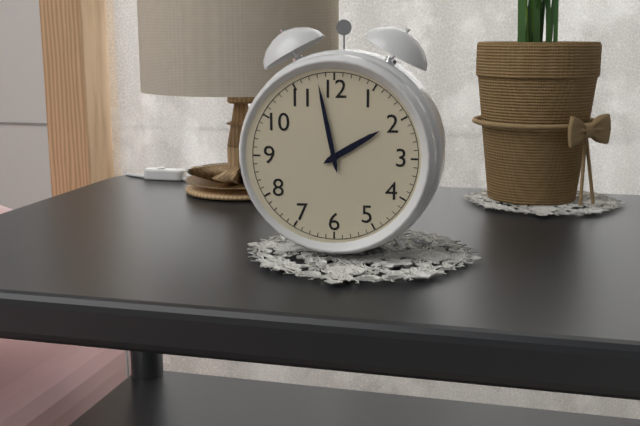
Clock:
1:58
